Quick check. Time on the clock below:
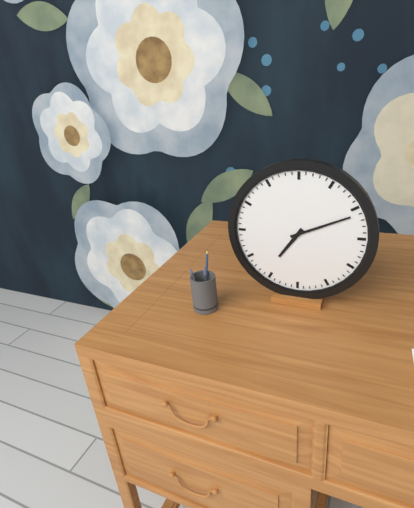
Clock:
7:11
